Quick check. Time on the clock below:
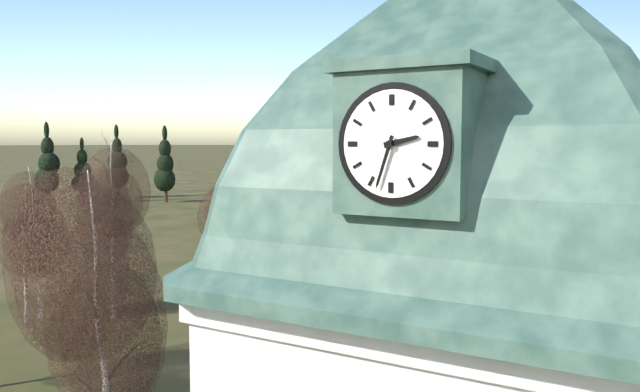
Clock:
2:33
